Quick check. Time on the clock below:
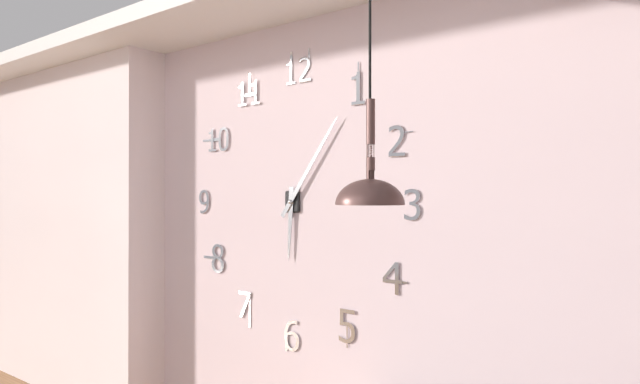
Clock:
6:06
